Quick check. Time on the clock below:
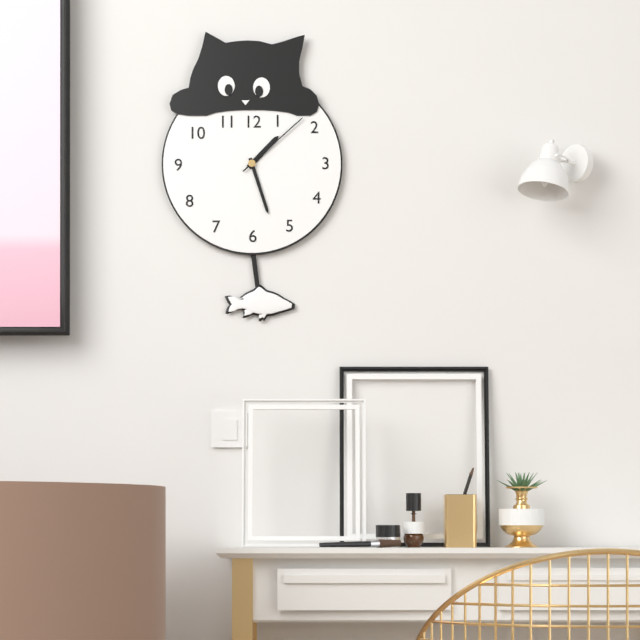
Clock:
1:27:08
